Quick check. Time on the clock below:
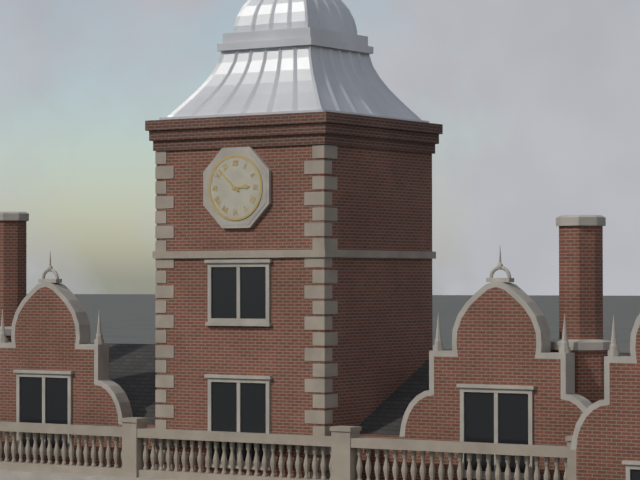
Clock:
2:52
